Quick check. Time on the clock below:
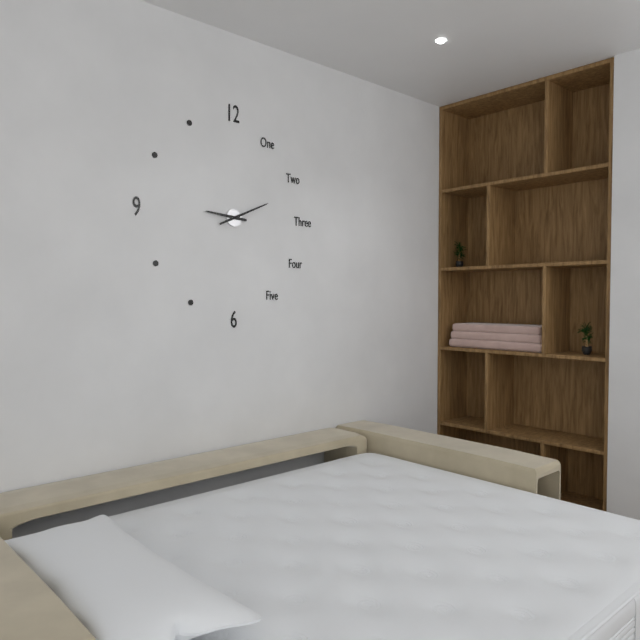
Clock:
9:11
